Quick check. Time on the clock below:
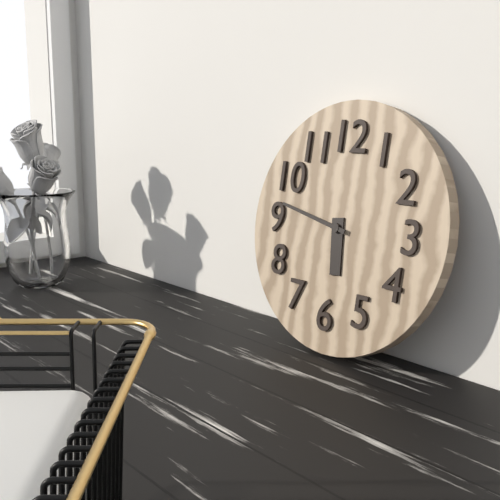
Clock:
5:47
